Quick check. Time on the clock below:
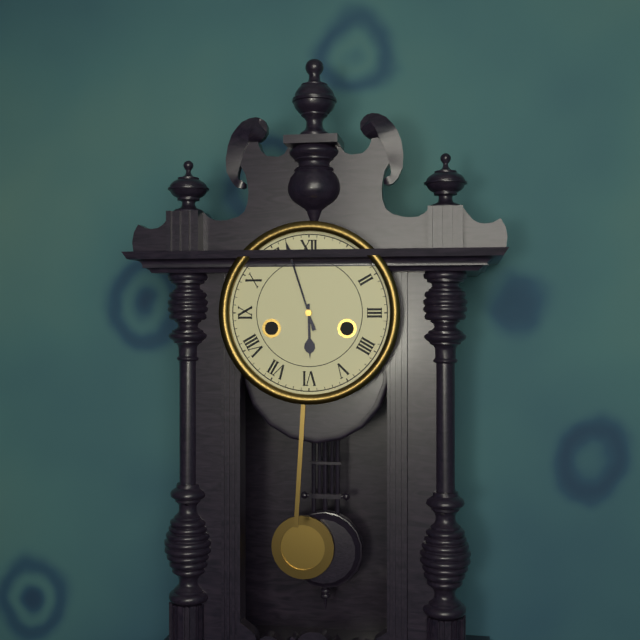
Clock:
5:57
